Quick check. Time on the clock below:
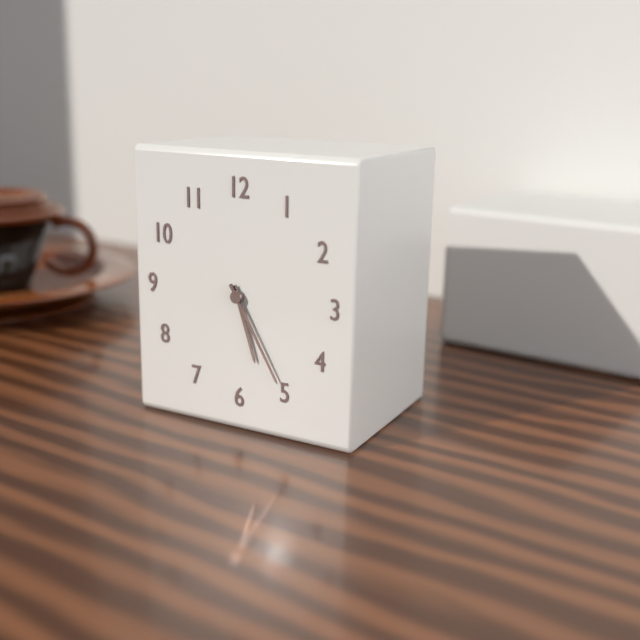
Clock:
5:25
